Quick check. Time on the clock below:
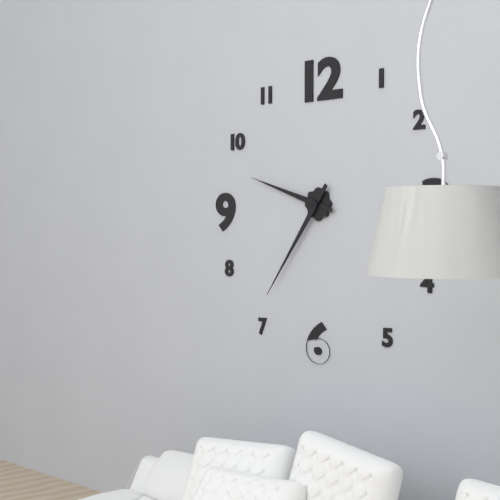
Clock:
9:36
